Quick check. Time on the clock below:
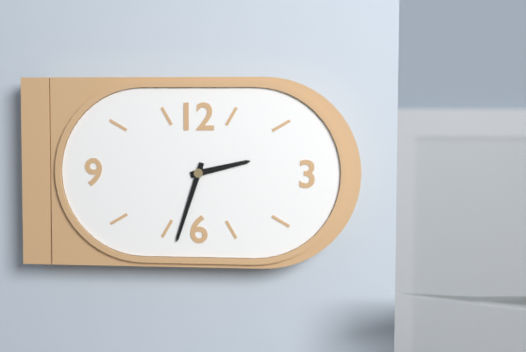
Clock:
2:33
